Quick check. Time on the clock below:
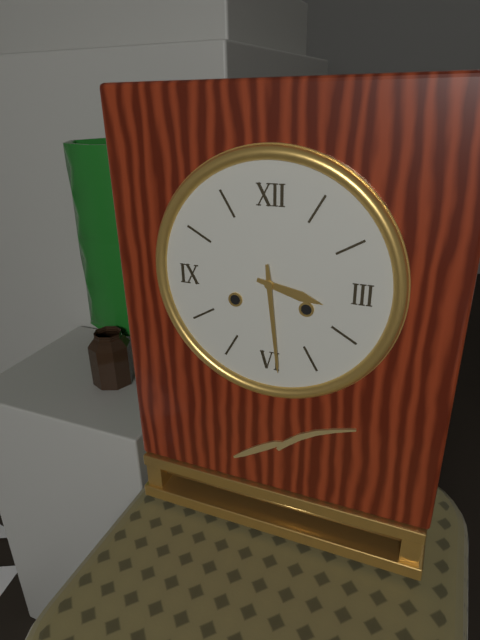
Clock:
3:29
